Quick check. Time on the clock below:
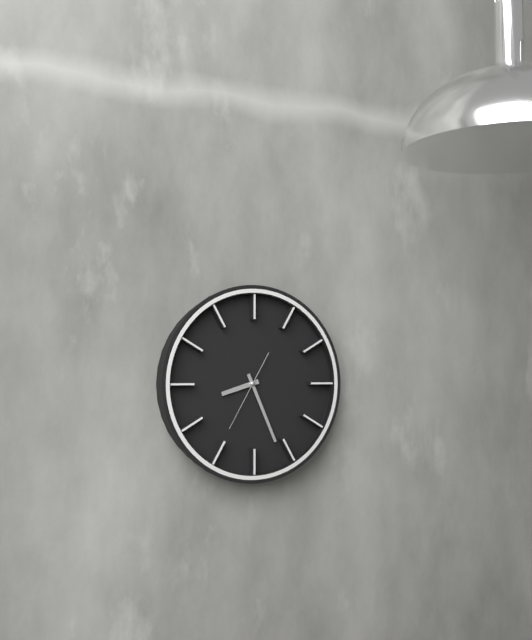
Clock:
8:26:35
